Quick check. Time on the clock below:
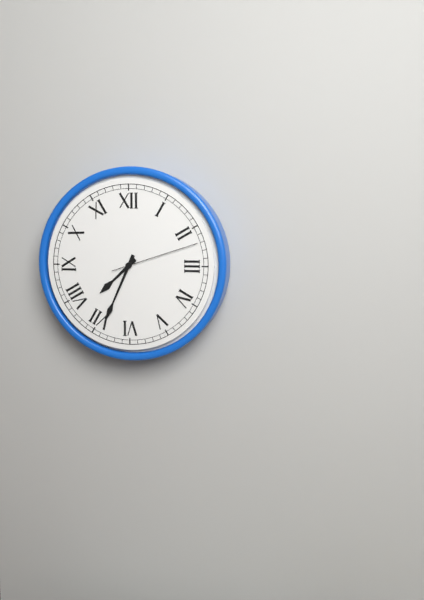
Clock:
7:34:12
